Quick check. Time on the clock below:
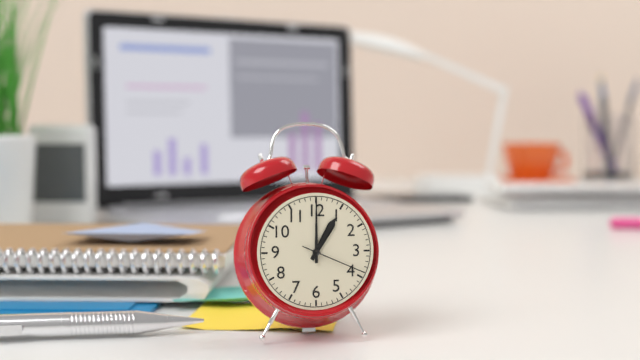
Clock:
1:00:19
